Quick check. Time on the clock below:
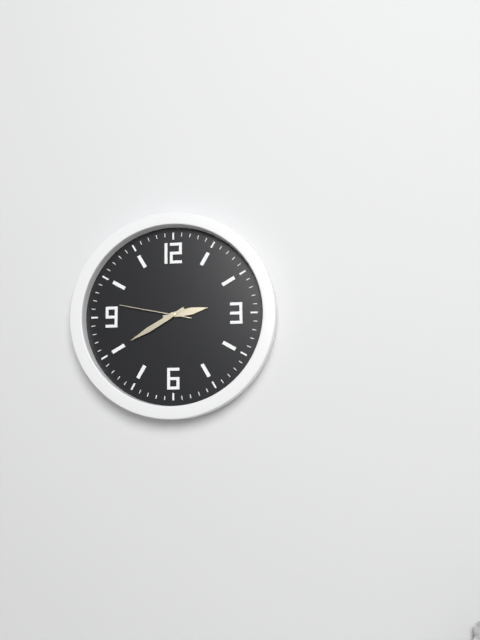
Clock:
2:40:47
